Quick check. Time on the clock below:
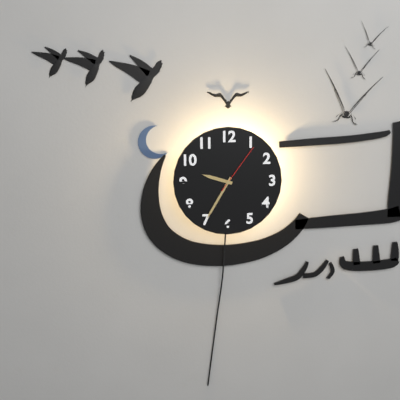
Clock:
9:35:06
